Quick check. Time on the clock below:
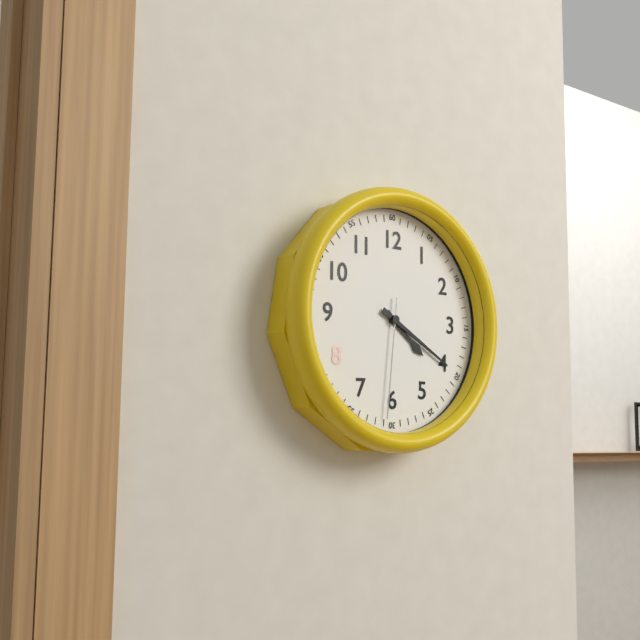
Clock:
4:20:31
